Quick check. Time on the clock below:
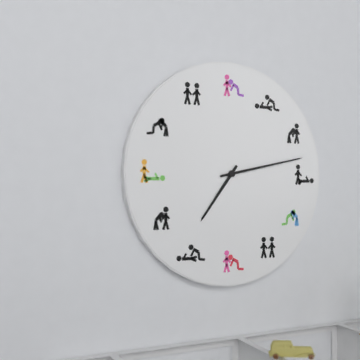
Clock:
7:13
